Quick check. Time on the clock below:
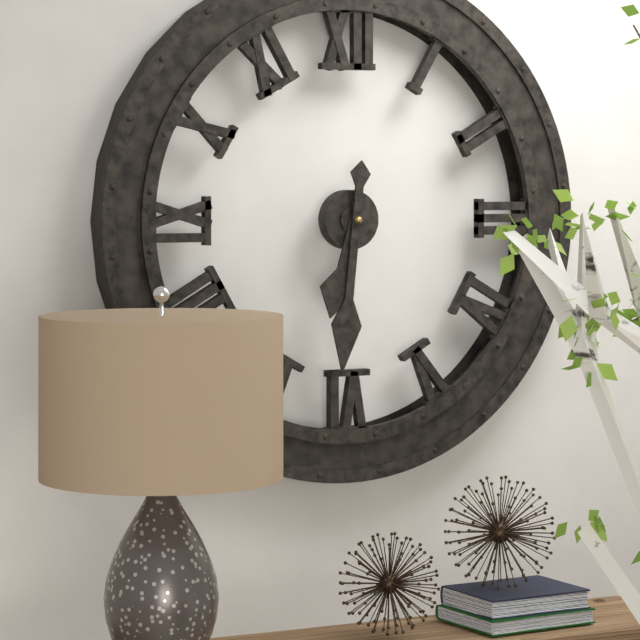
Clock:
6:31
